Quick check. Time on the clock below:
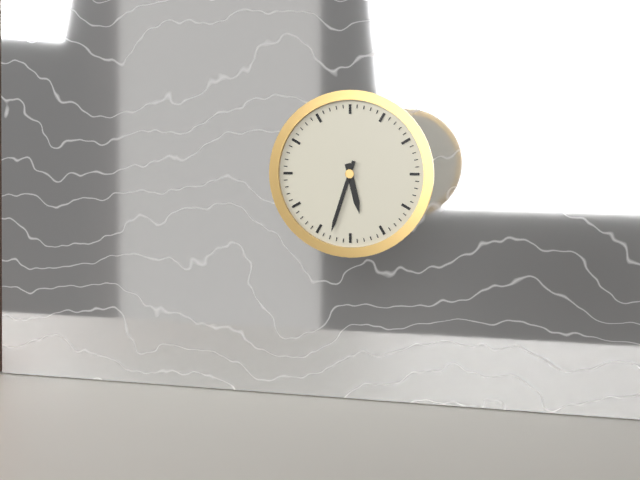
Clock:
5:33
